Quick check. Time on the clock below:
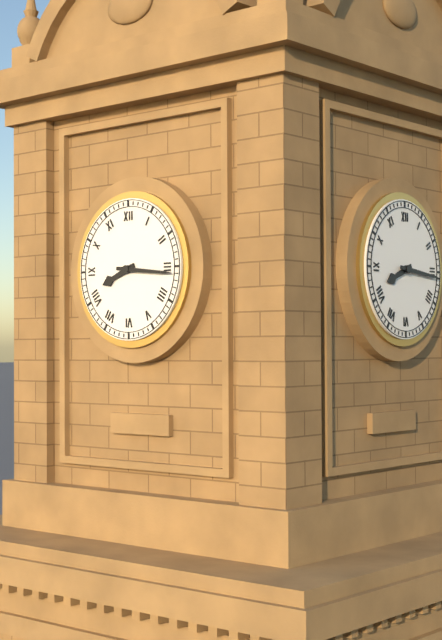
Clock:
8:16
